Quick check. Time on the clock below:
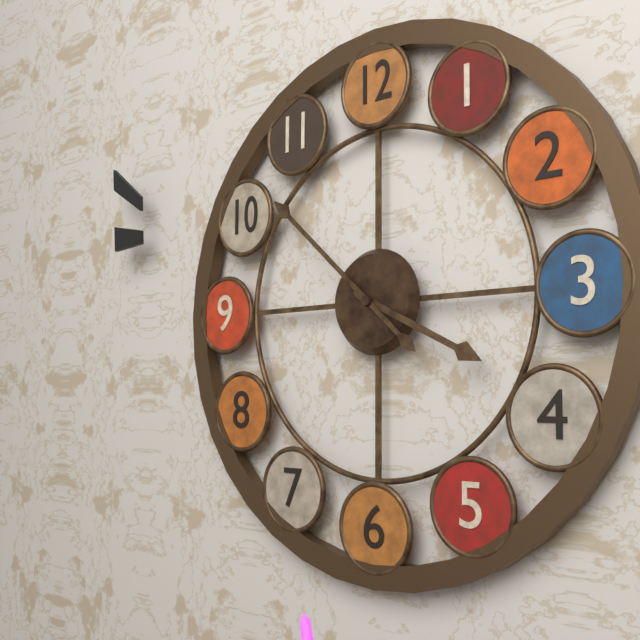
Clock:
3:52
